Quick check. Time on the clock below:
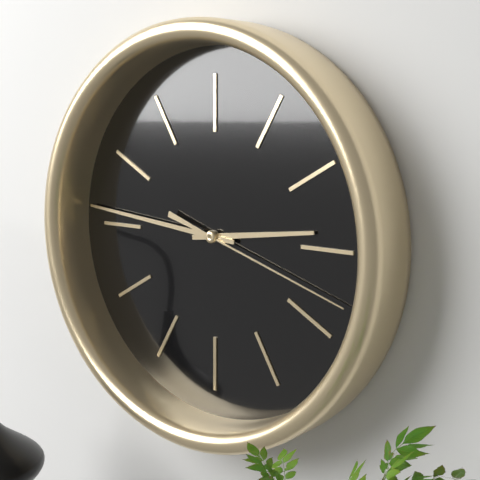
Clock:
2:46:18
